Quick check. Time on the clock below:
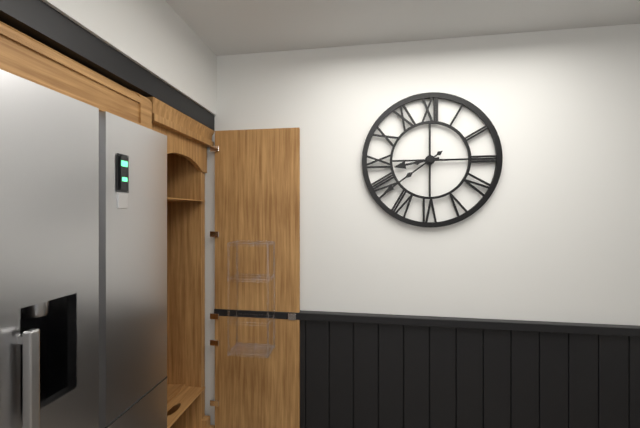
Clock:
8:39
